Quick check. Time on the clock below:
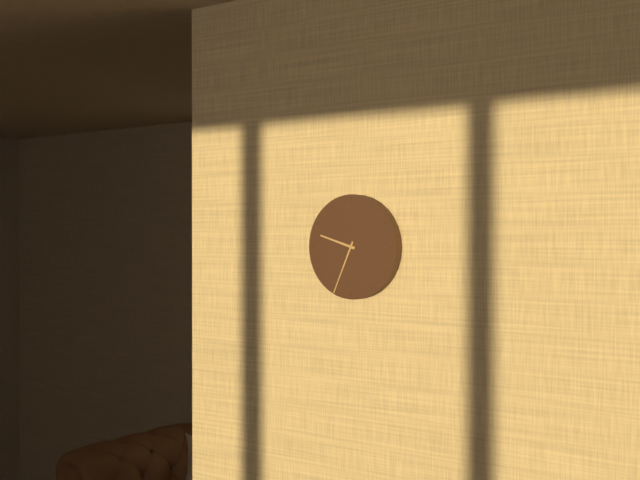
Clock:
9:34
